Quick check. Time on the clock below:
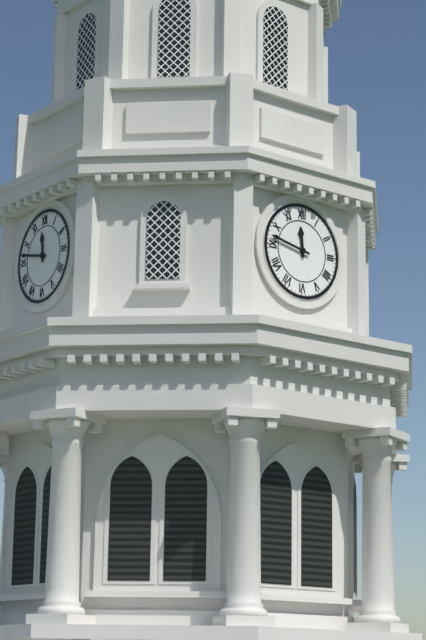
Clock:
11:47
